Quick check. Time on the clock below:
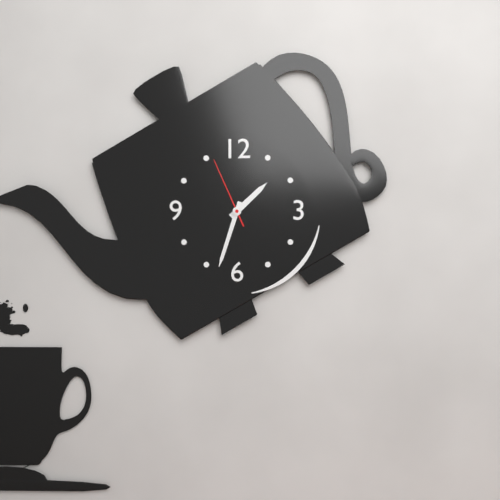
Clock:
1:33:56
